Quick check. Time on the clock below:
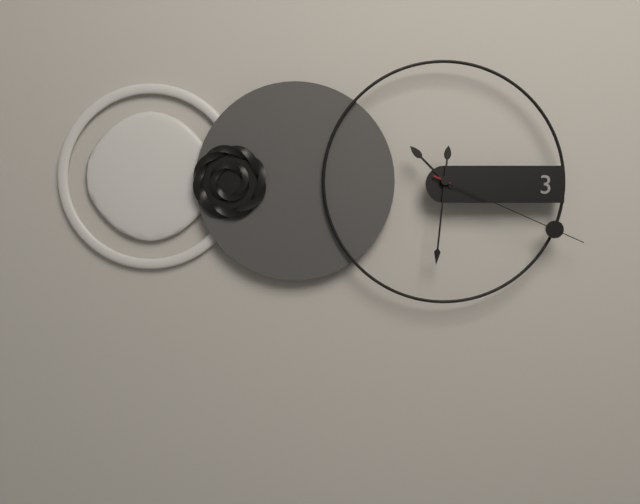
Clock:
10:31:19
